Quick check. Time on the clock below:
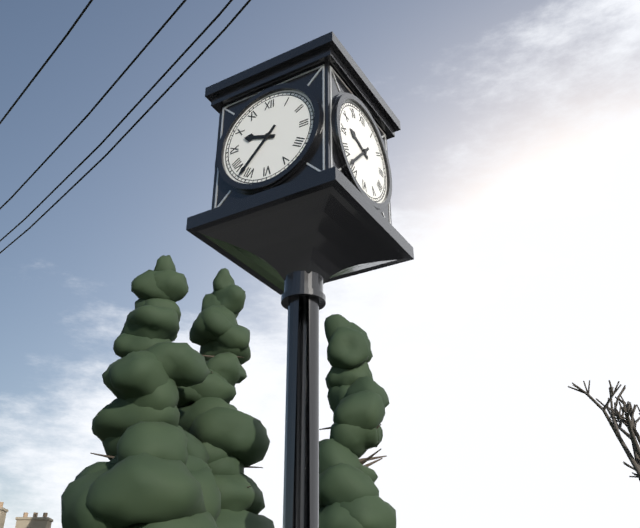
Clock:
9:37
